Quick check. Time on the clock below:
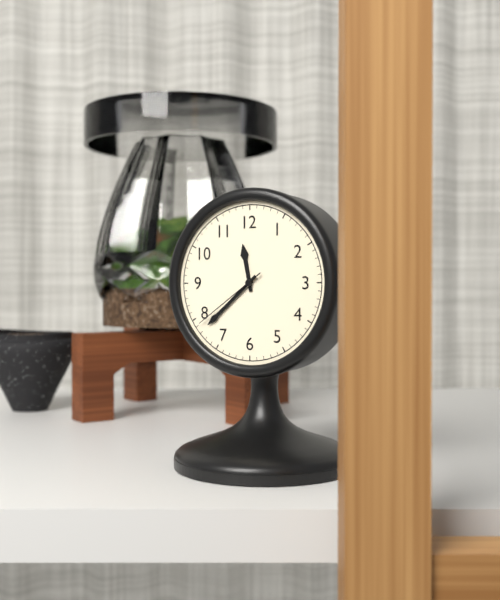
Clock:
11:38:39
